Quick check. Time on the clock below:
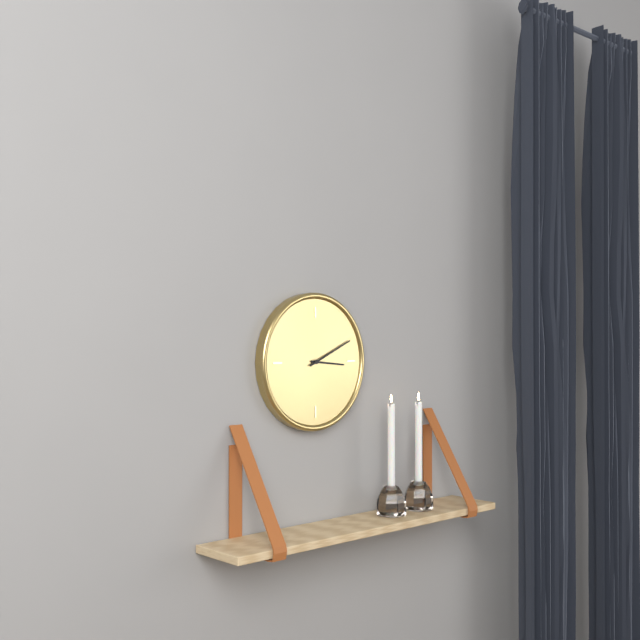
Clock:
3:11
